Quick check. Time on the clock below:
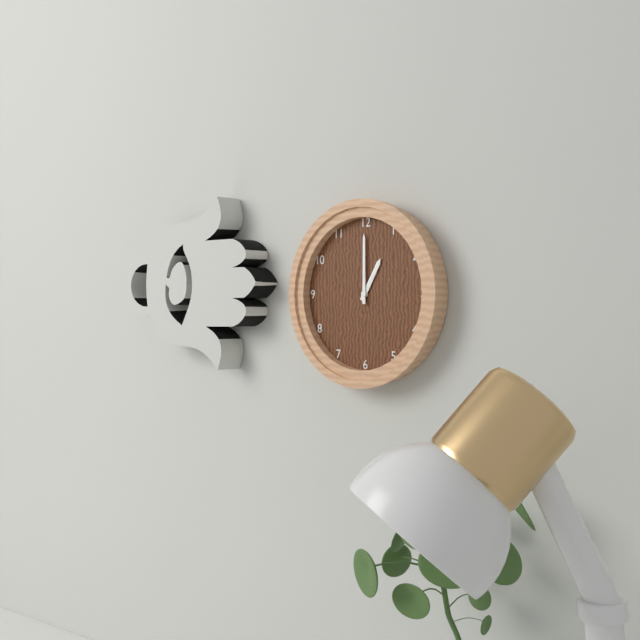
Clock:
1:00
